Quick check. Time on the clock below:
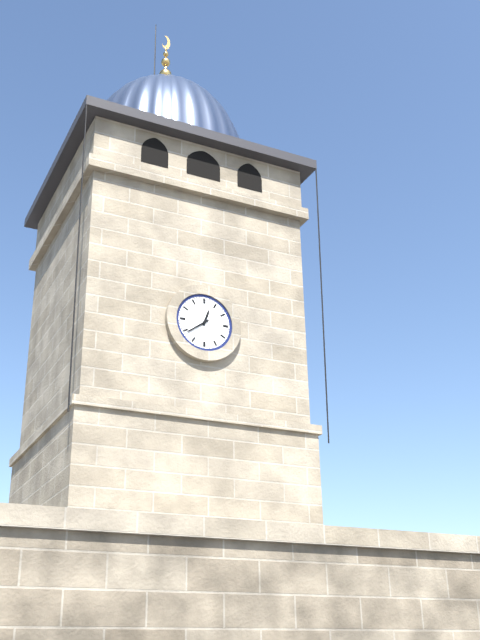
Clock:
12:39
